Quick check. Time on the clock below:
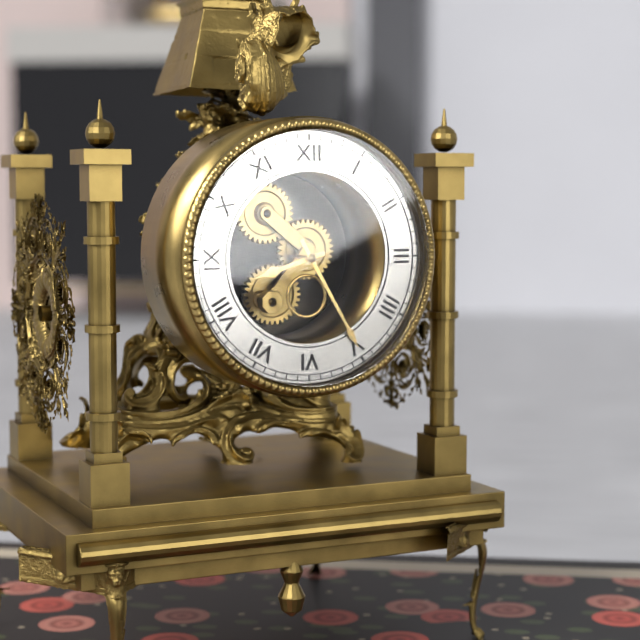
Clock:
8:25
